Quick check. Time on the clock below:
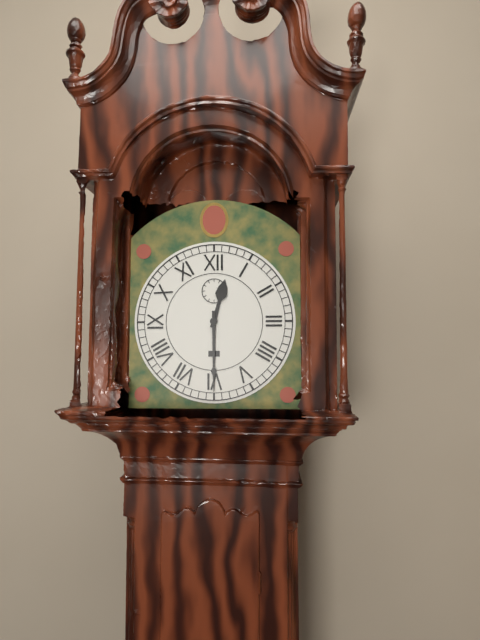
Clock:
12:30
